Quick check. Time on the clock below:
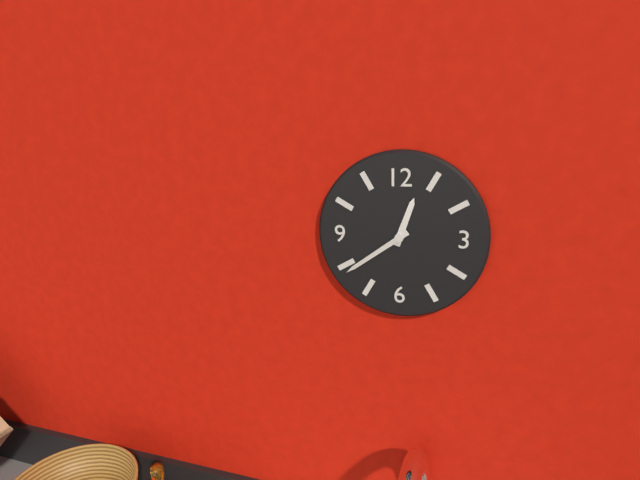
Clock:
12:39
